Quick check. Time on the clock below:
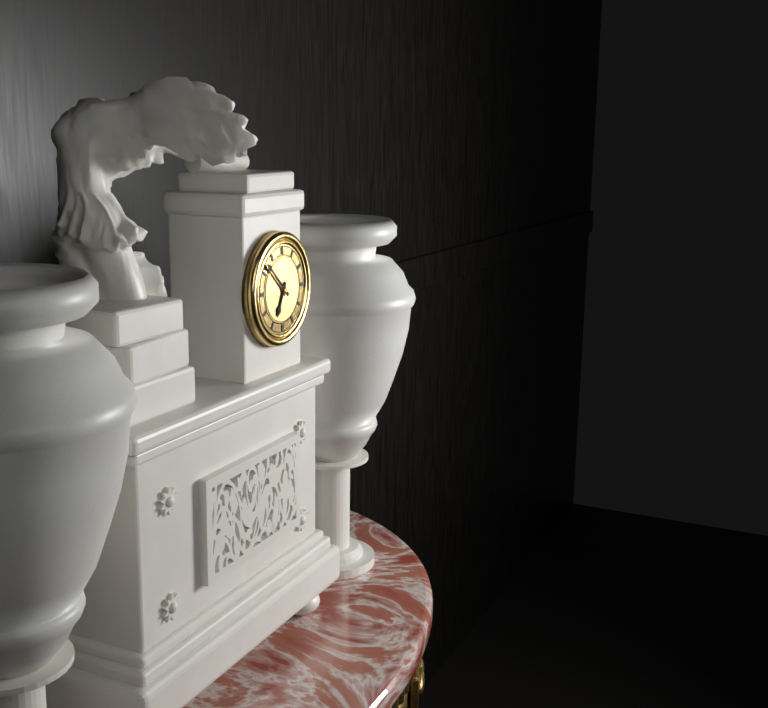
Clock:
6:52
